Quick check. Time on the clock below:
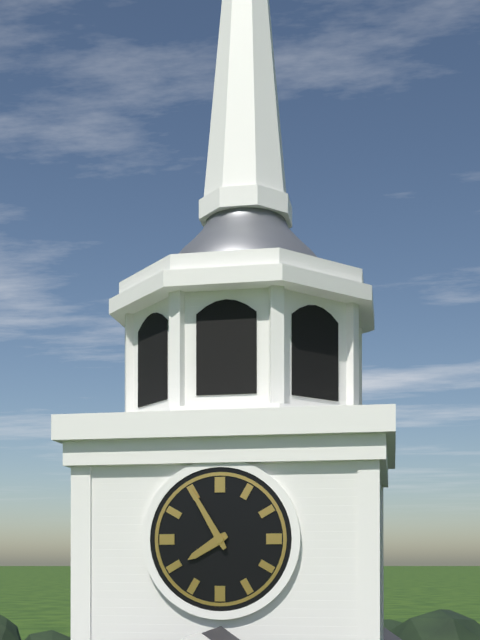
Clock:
7:55
